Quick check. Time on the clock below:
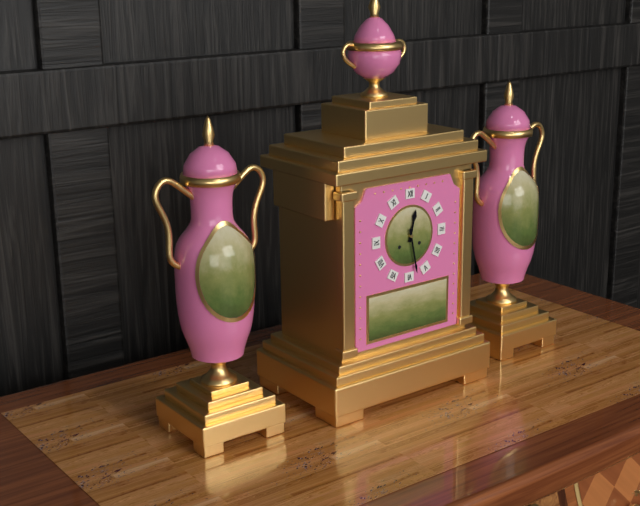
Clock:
12:28
